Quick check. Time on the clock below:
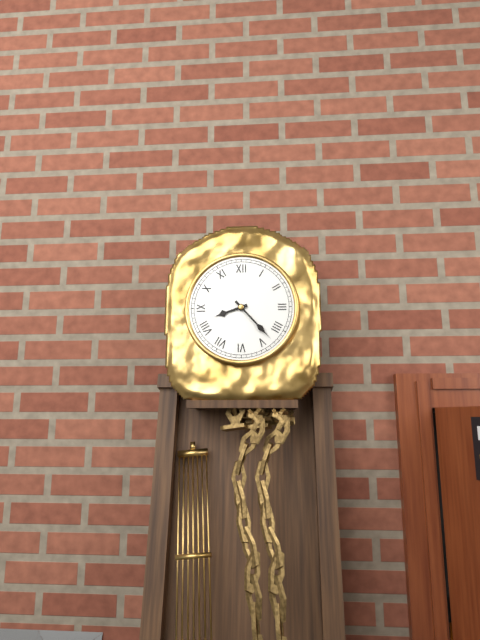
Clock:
8:23
